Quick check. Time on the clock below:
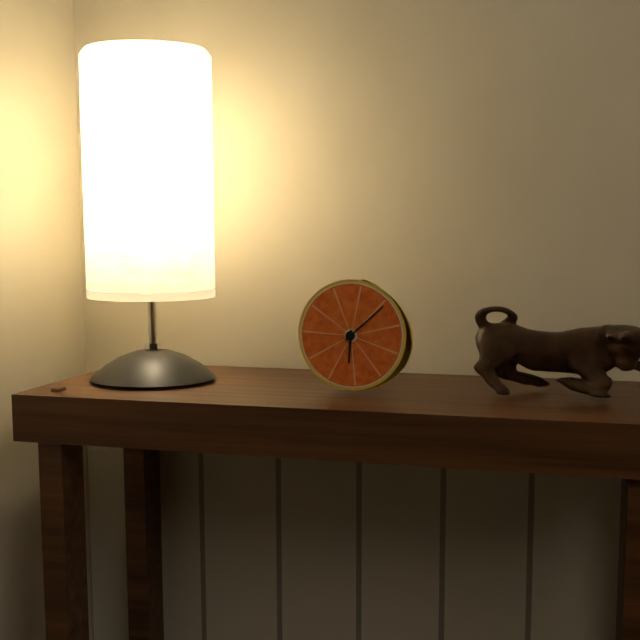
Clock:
6:08
